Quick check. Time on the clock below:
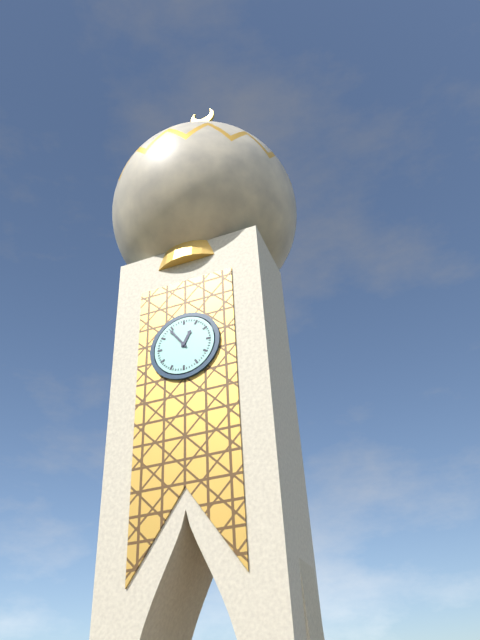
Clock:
12:54
